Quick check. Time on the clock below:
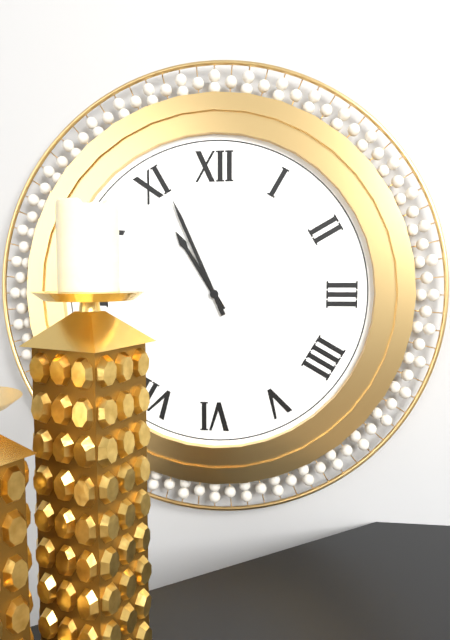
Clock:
10:56
